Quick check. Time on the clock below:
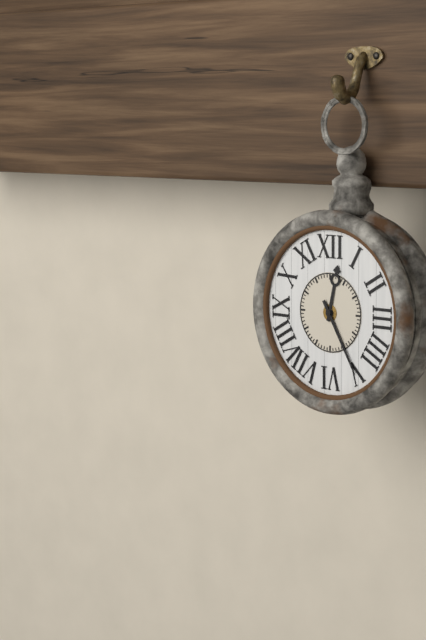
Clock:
12:25
